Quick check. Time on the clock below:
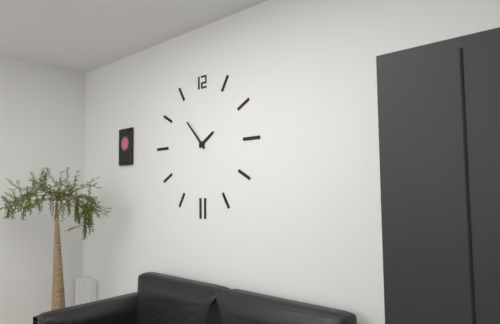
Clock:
1:53
